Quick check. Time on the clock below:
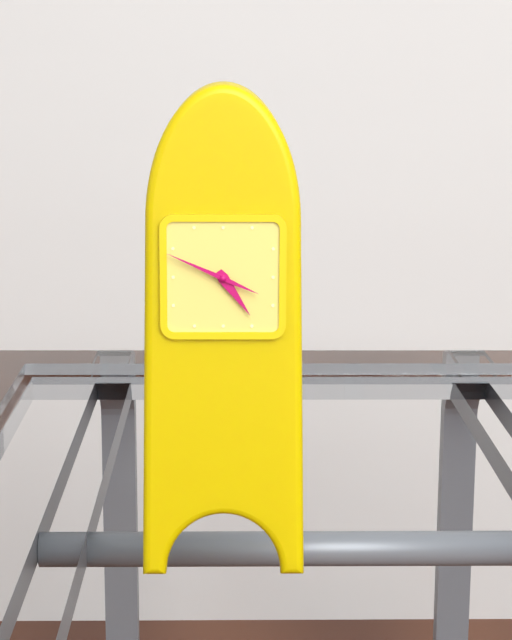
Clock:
4:49
